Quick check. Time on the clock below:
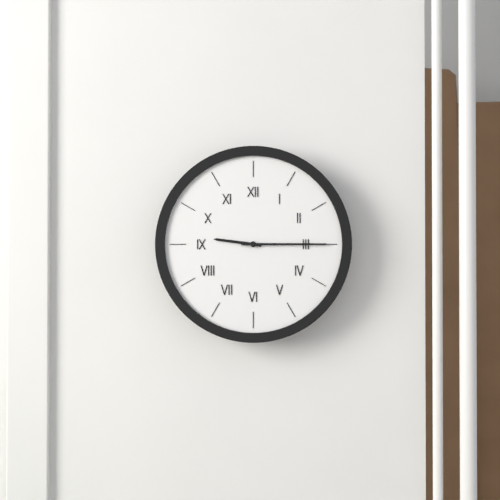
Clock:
9:15
